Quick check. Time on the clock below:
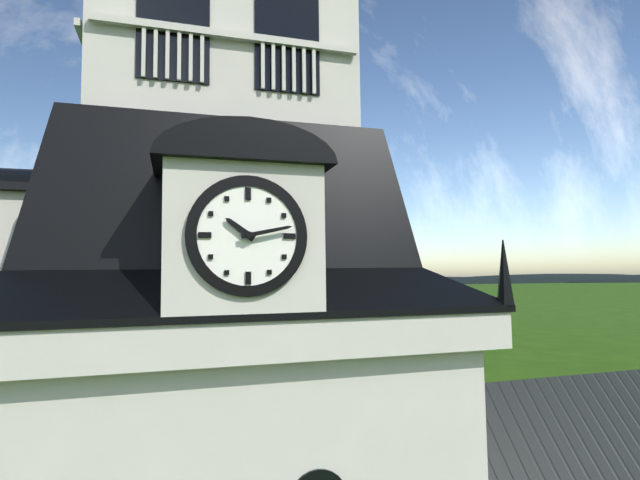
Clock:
10:13
